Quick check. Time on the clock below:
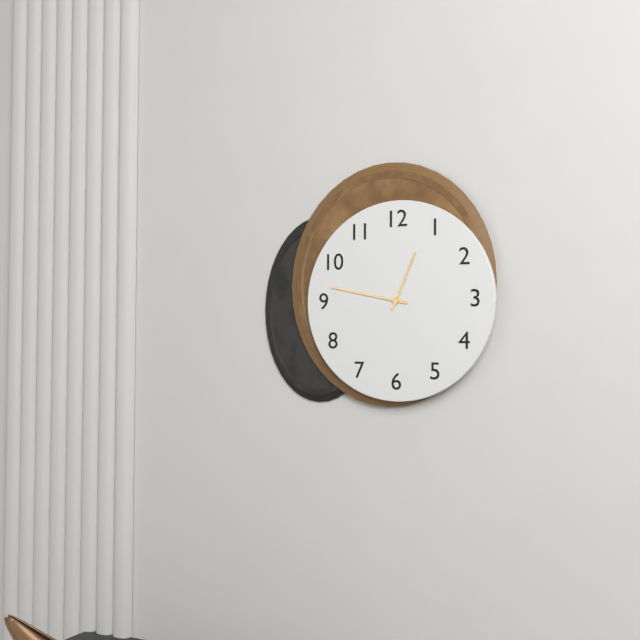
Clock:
12:47
